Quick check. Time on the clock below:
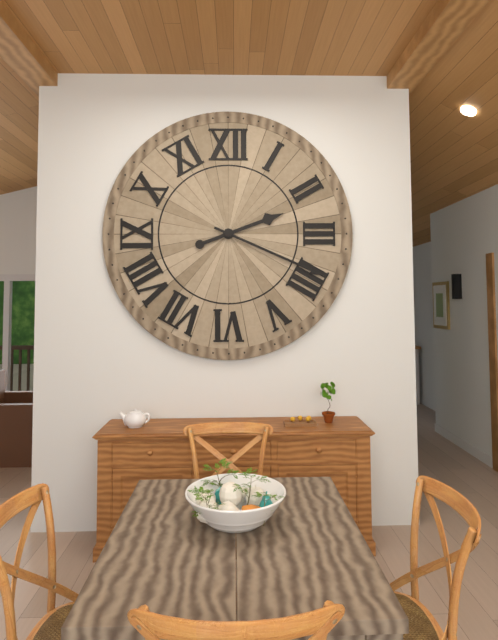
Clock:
2:19
